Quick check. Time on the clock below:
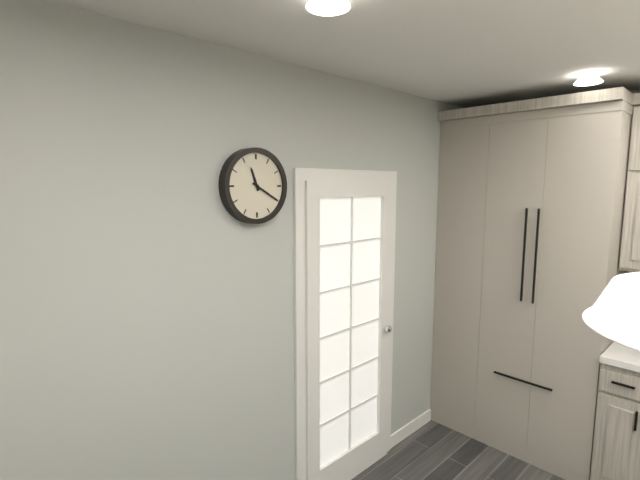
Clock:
11:20
